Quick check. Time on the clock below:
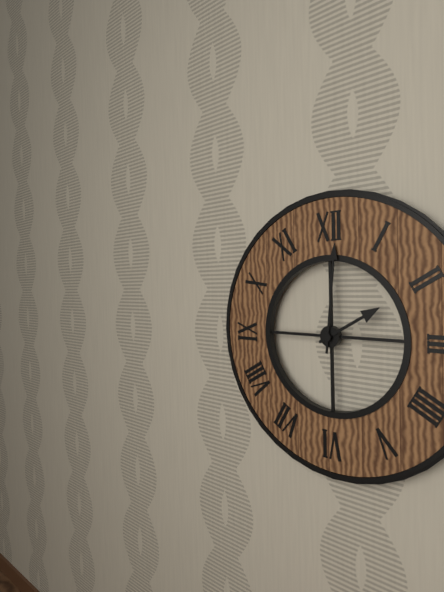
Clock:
2:01
